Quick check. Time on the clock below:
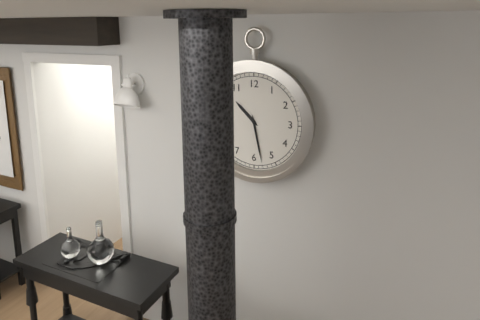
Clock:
10:28
